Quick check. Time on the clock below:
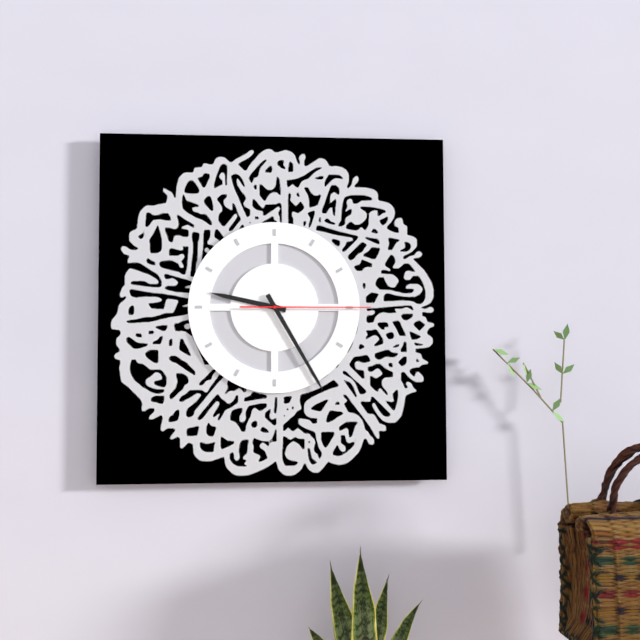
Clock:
9:25:15
